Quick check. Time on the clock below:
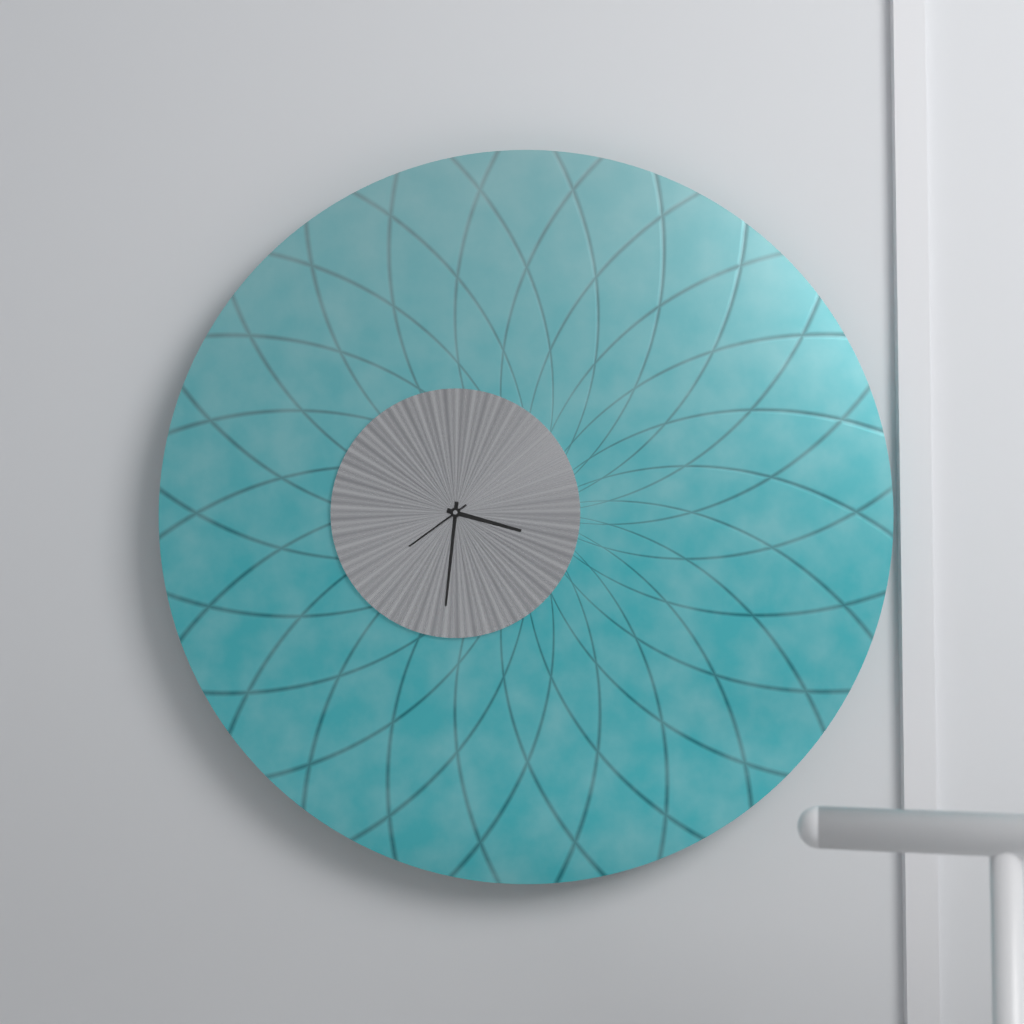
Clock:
3:31:39
